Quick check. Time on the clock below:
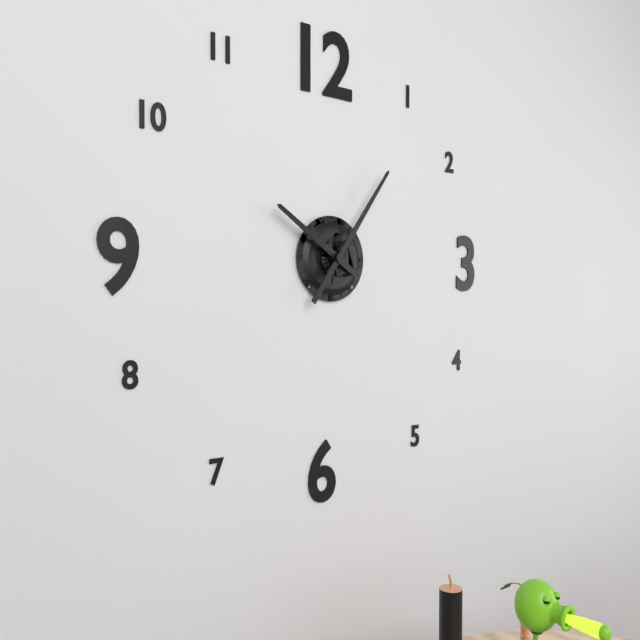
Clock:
10:06
